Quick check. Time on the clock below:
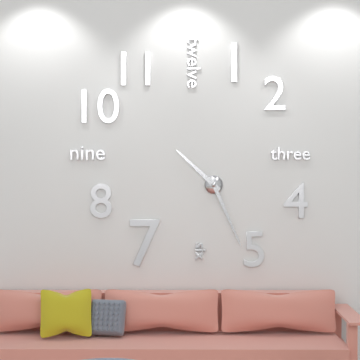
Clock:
10:26
